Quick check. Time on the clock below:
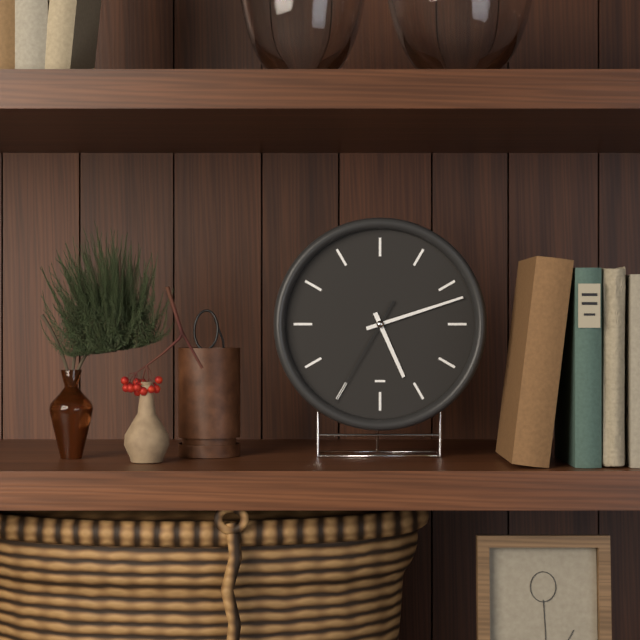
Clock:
5:12:35
